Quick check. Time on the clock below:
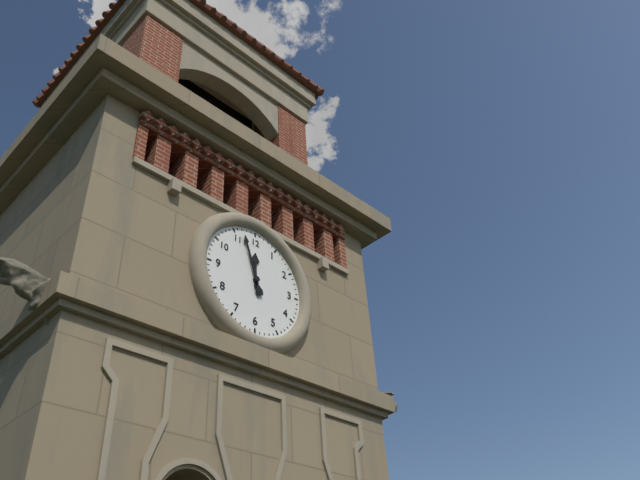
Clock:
11:57
